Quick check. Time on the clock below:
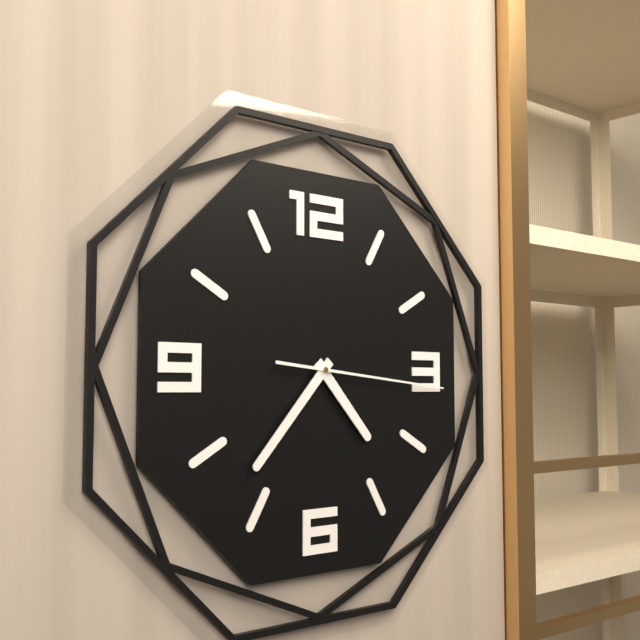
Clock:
4:37:16
